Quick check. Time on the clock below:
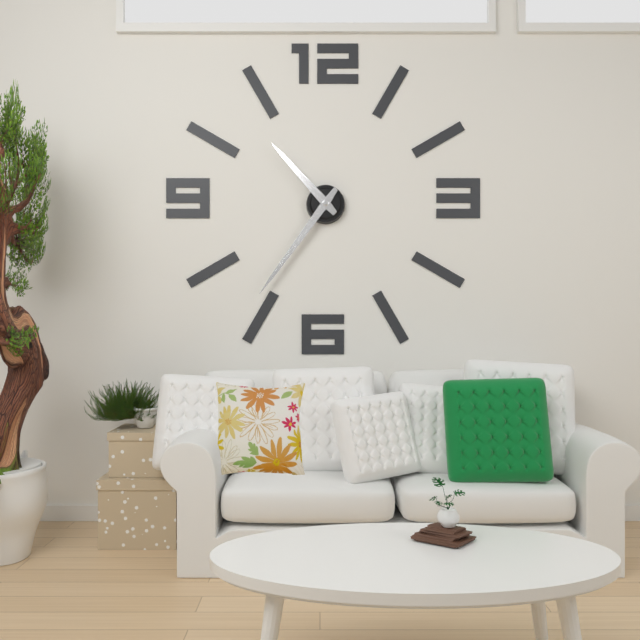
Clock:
10:36
